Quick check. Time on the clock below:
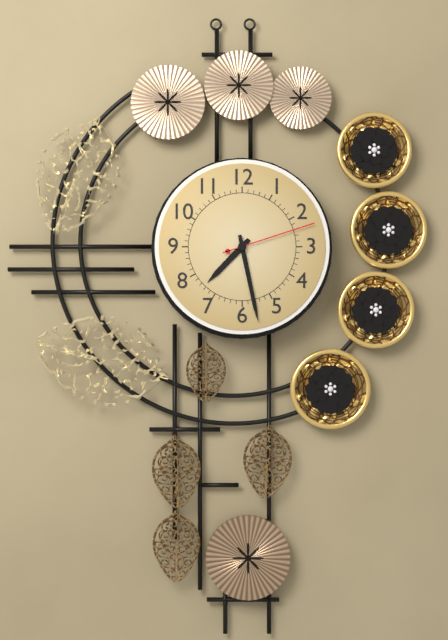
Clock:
7:28:12
